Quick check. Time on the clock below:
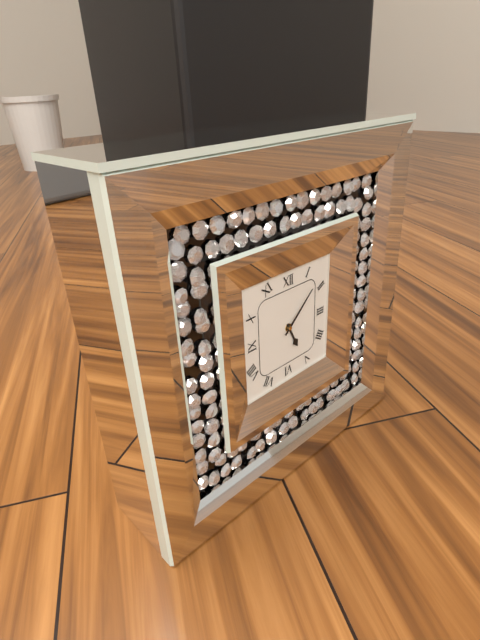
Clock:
5:08
